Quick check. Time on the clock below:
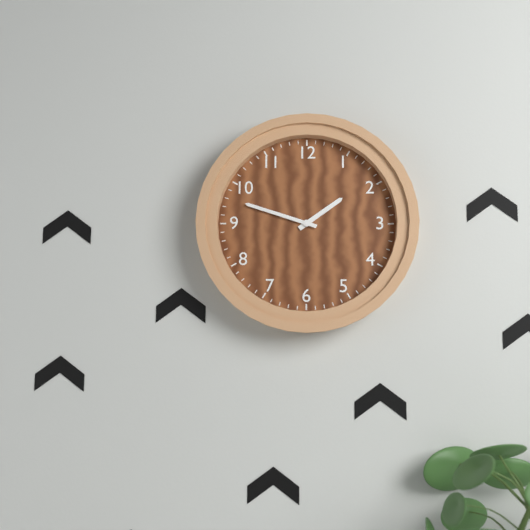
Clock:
1:48
